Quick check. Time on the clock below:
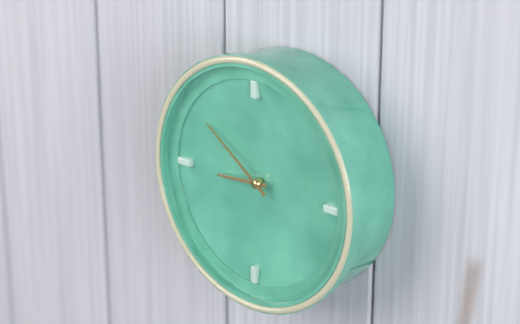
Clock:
8:51
